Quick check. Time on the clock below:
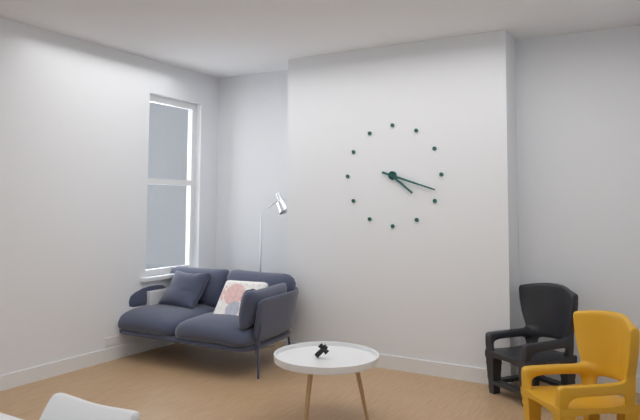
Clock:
4:18
